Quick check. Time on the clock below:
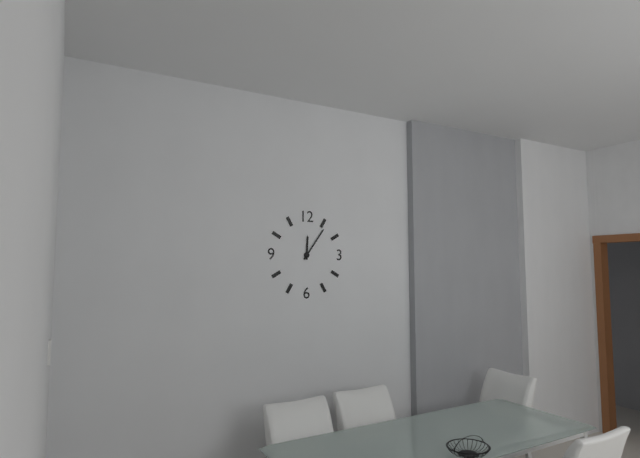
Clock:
12:06
